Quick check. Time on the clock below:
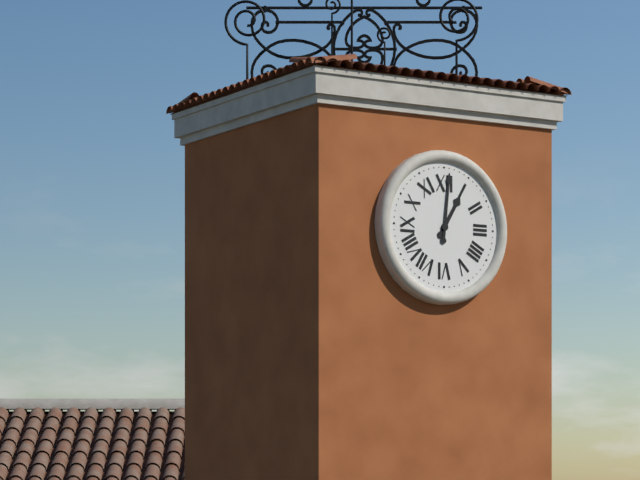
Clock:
1:01
